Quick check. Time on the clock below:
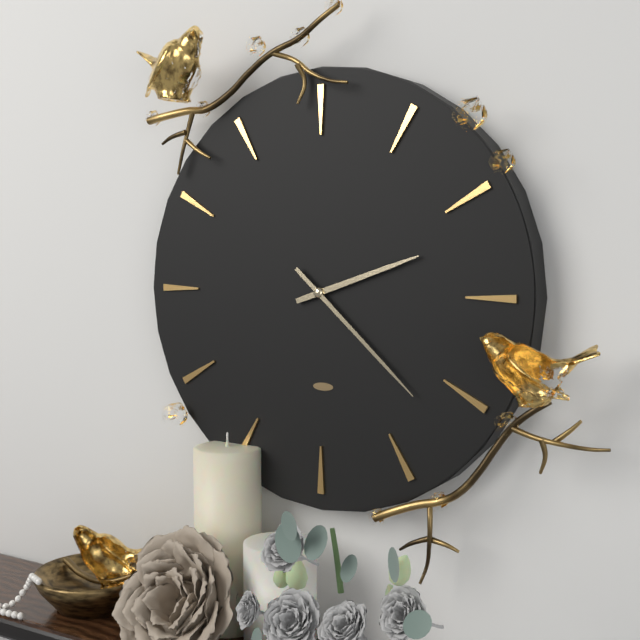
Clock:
2:22
